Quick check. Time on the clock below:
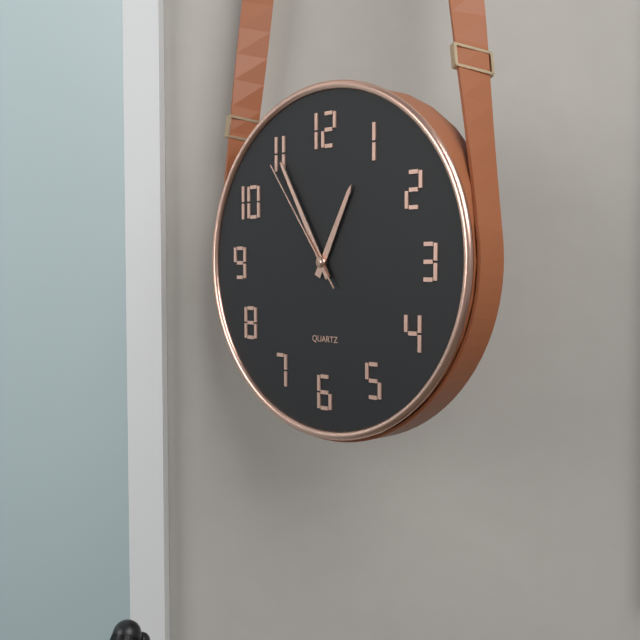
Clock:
12:55:54
